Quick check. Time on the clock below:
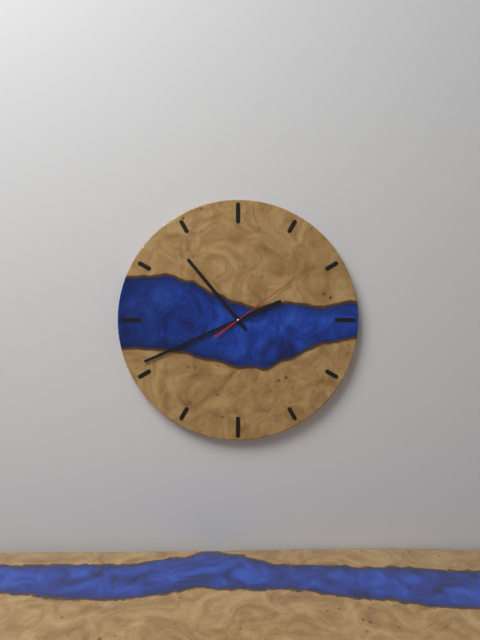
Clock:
10:41:09
